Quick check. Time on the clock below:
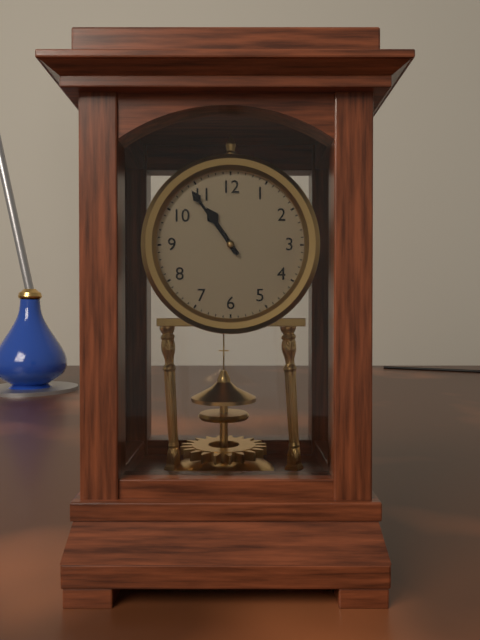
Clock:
10:54
